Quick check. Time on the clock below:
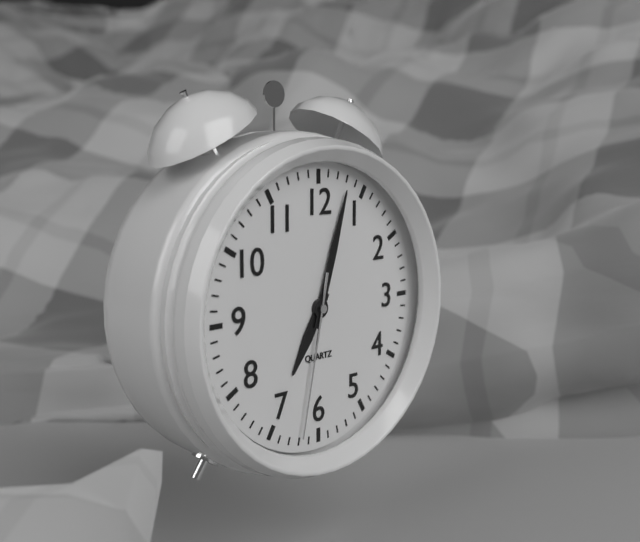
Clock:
7:03:32
